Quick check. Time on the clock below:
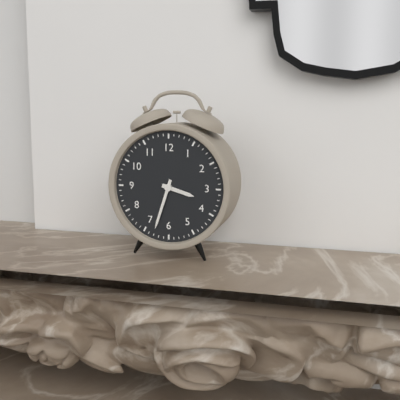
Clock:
3:33
